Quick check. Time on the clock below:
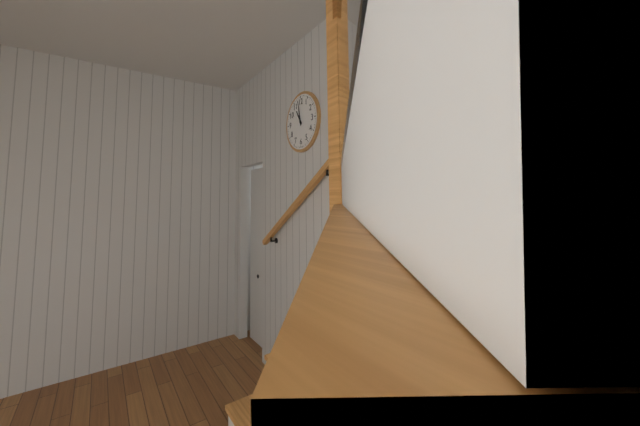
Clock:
10:58
